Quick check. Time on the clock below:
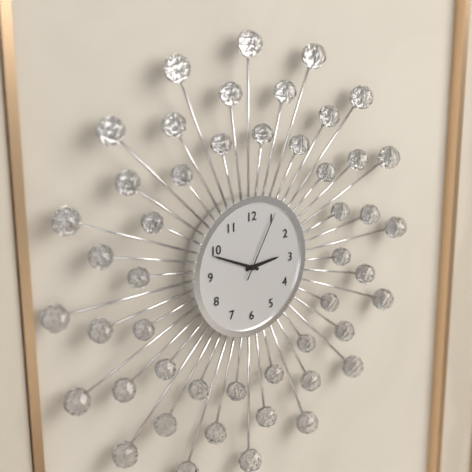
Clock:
2:49:05
